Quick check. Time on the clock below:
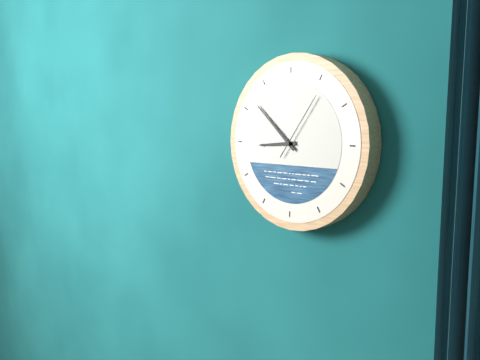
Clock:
8:52:06
